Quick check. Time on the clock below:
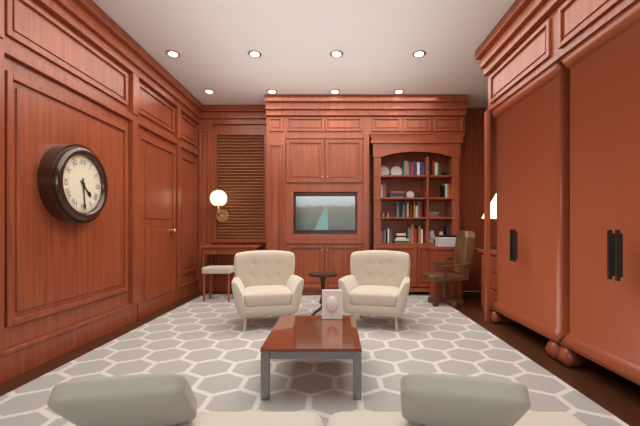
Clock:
4:29
